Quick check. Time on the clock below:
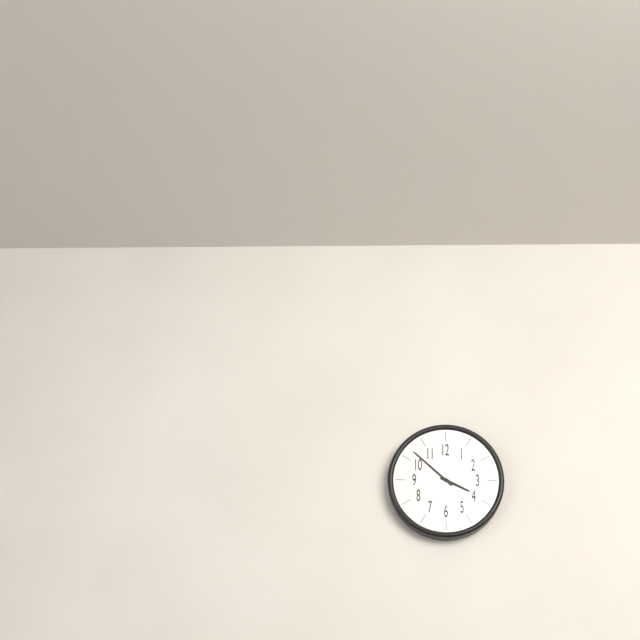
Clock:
3:52
